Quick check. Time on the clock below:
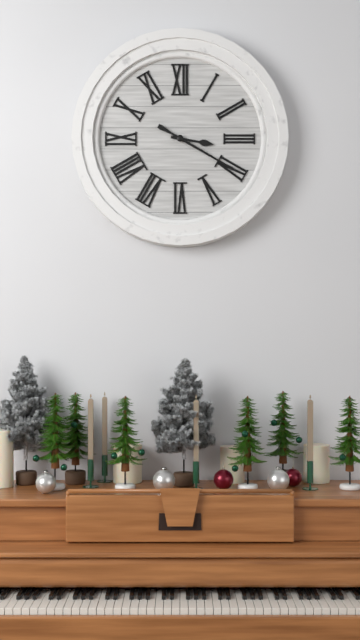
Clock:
3:20
